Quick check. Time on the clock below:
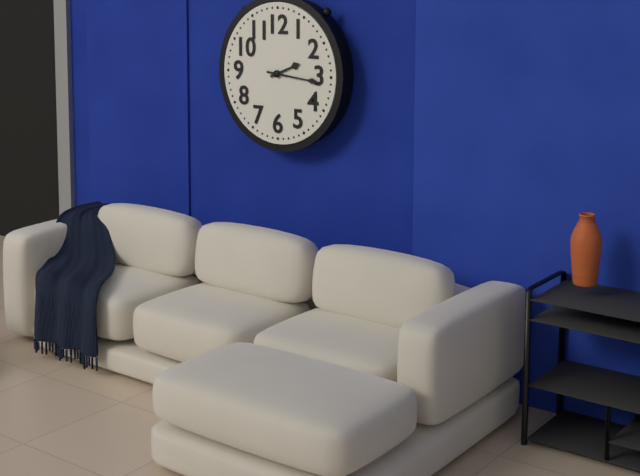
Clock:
2:16
